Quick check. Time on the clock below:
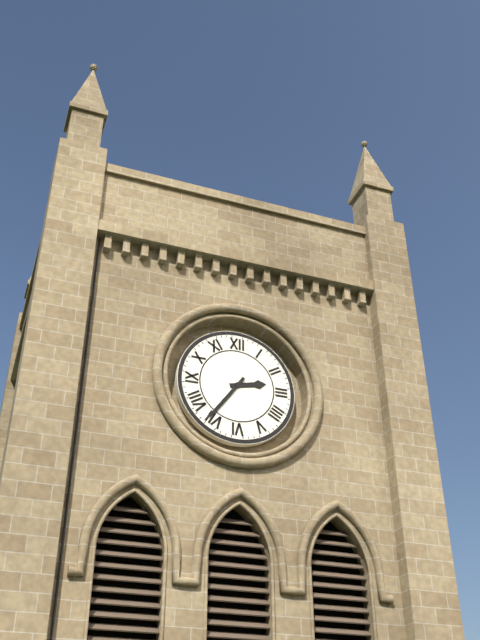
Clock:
2:36
